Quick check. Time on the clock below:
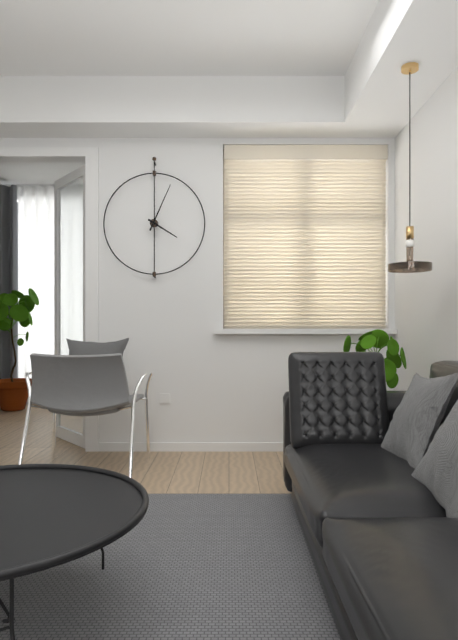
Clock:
4:04
